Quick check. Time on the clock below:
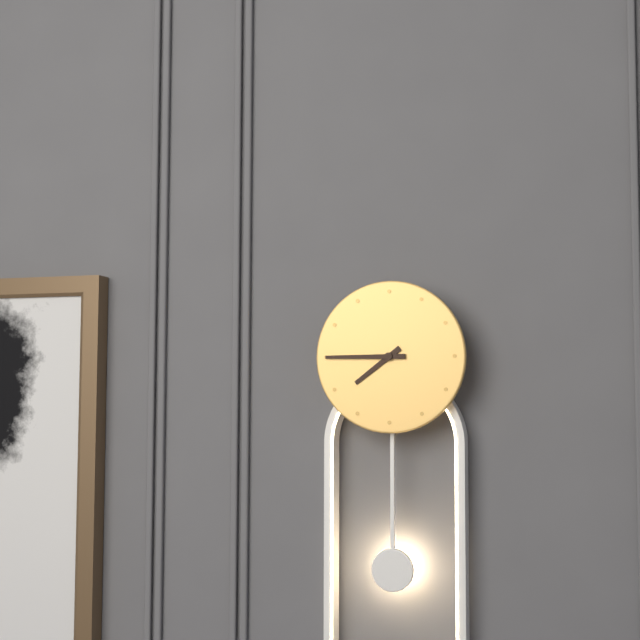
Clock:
7:45
